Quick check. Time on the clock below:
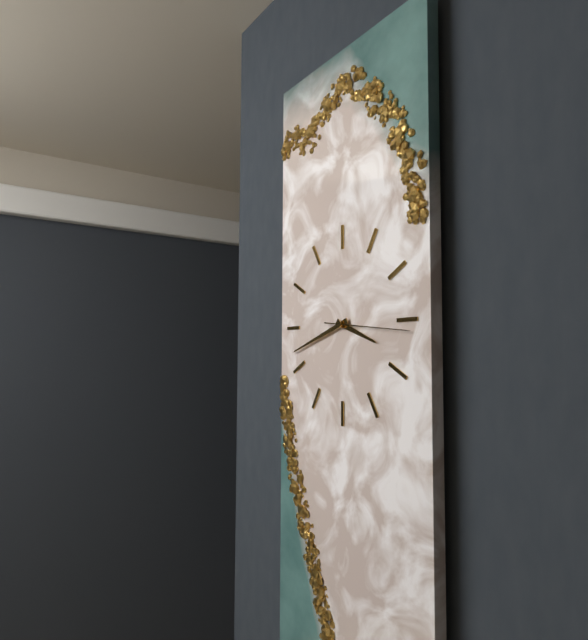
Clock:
3:42:16
